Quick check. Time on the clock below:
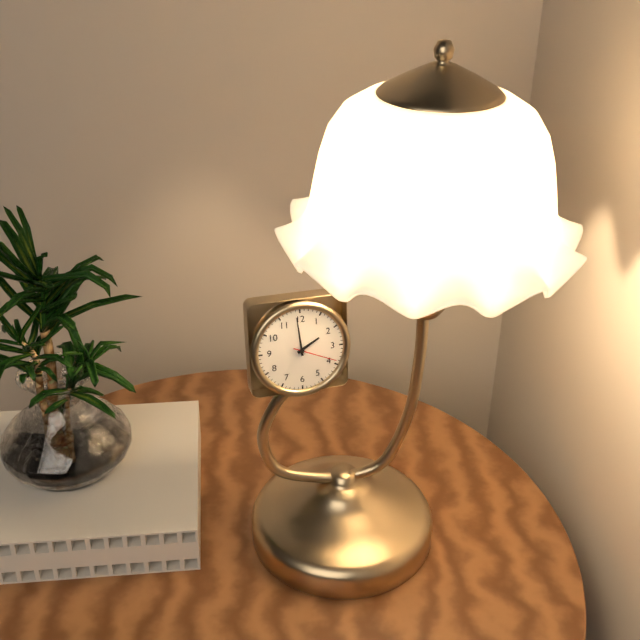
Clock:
1:59
